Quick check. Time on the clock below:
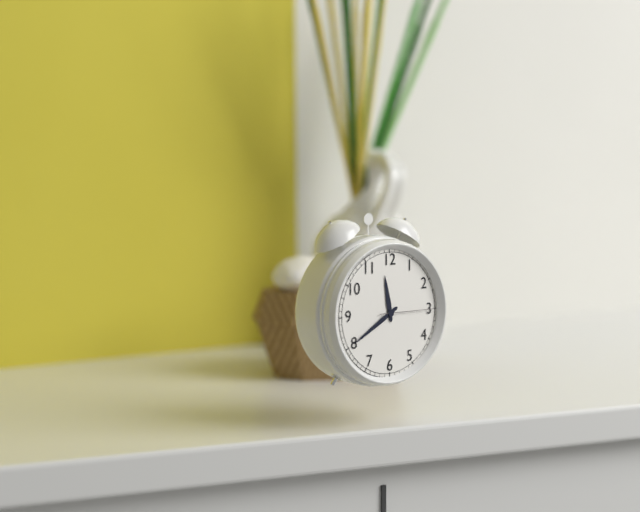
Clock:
11:40:15
